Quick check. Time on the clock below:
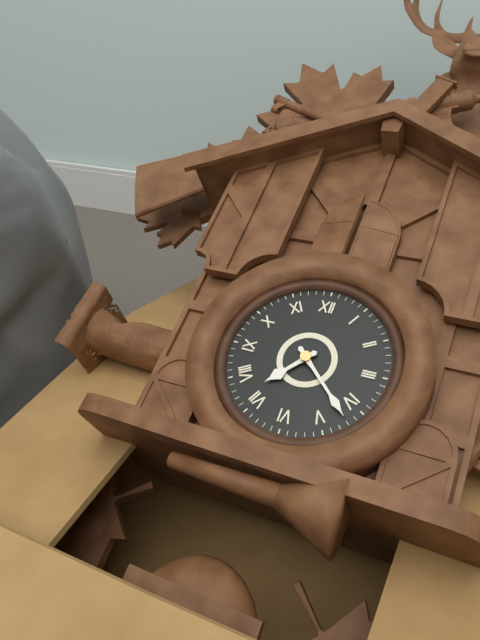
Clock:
7:22
